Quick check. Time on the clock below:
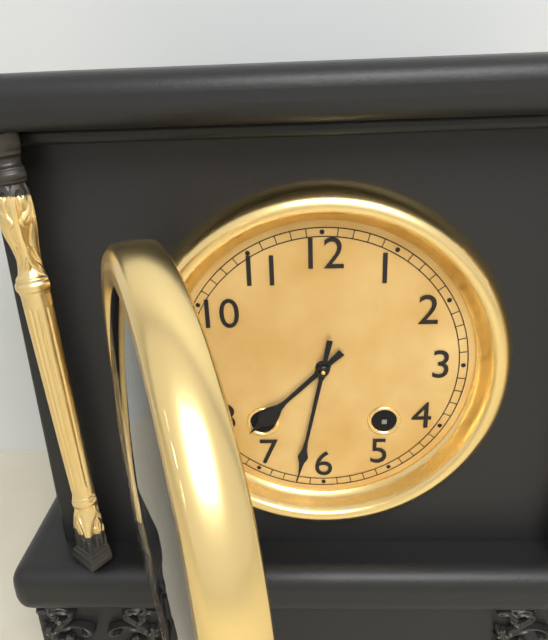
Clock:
7:32
